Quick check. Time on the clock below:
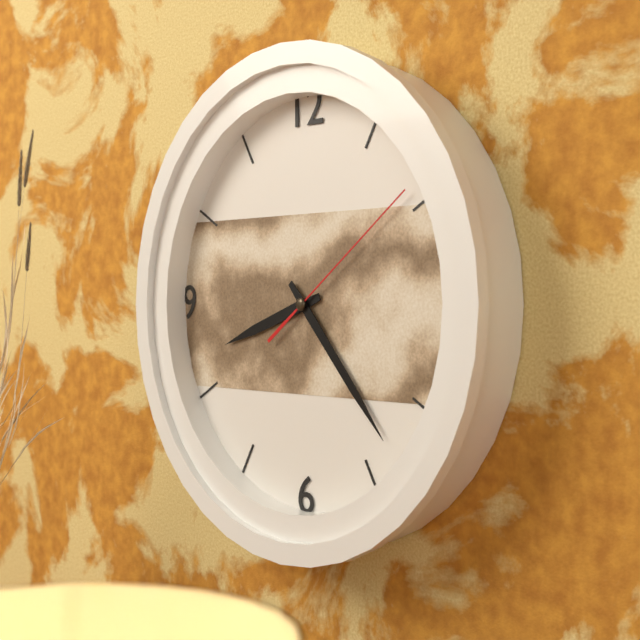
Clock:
8:23:09
